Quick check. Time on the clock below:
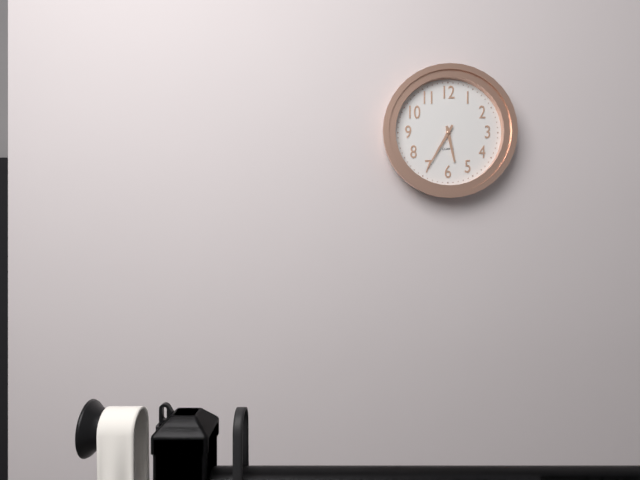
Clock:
5:35
